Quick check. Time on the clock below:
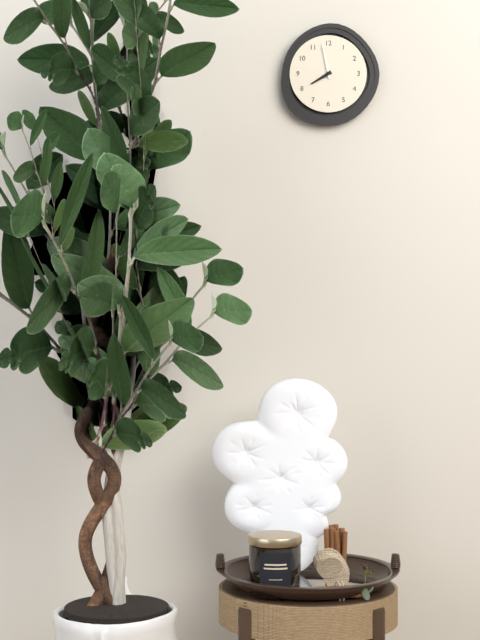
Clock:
7:58
